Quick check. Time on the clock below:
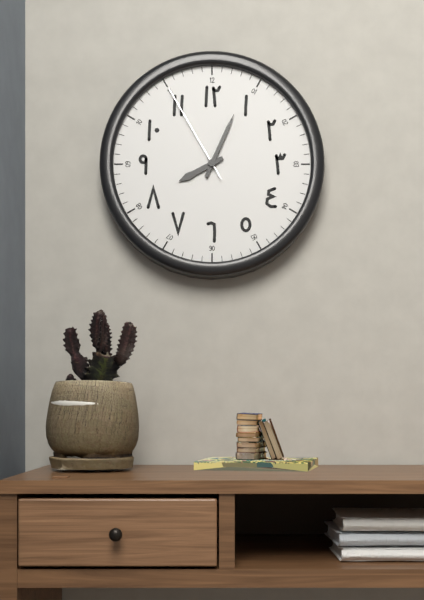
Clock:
8:04:55
